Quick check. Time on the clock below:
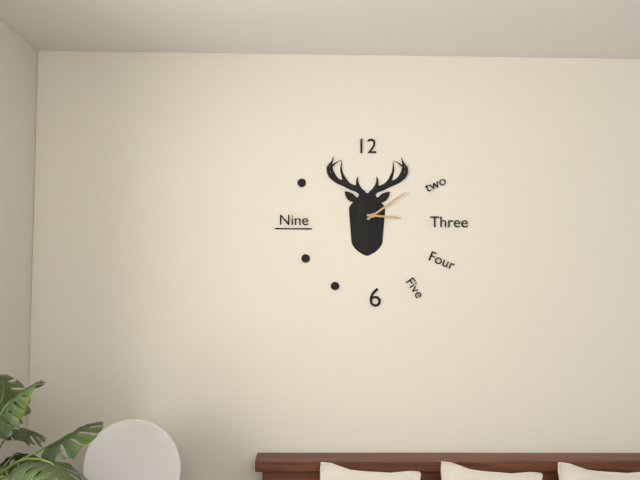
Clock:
3:09
